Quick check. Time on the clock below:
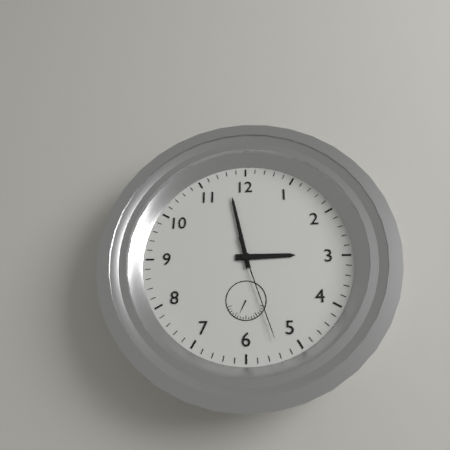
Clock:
2:58:27
